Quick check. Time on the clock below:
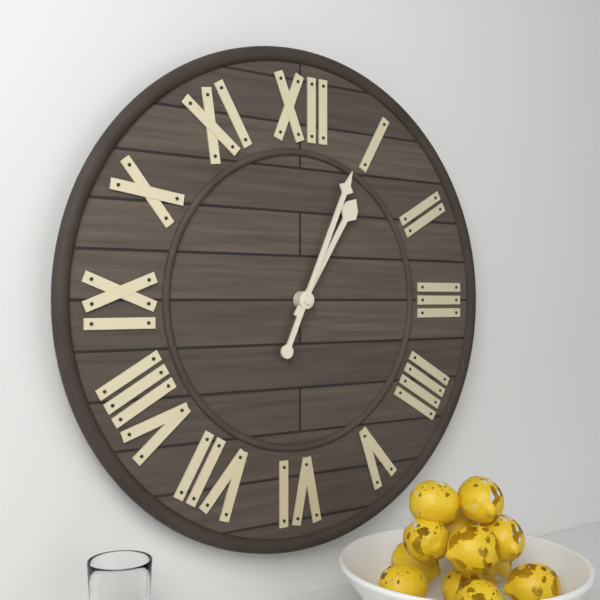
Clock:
1:04
